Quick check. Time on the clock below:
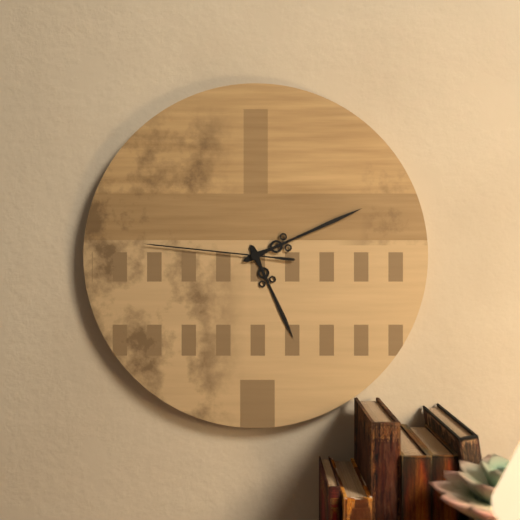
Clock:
5:11:46
